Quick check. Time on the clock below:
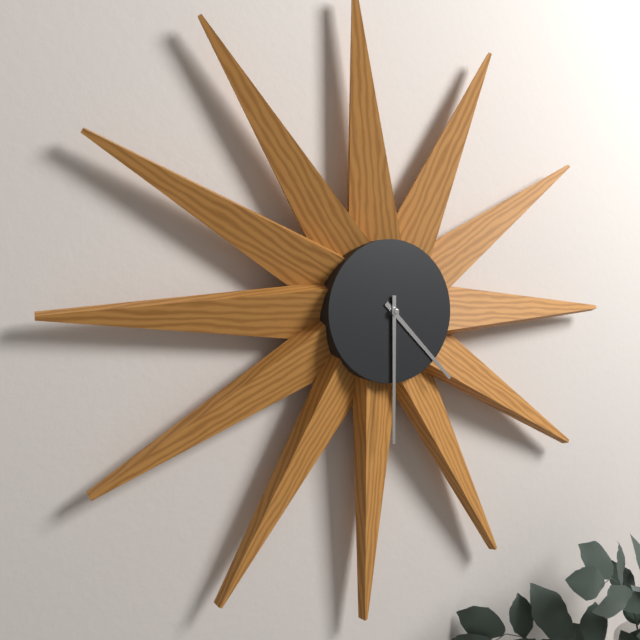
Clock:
4:30
